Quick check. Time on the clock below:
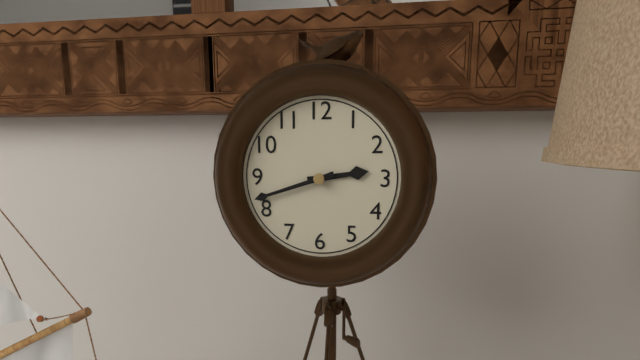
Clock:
2:42
